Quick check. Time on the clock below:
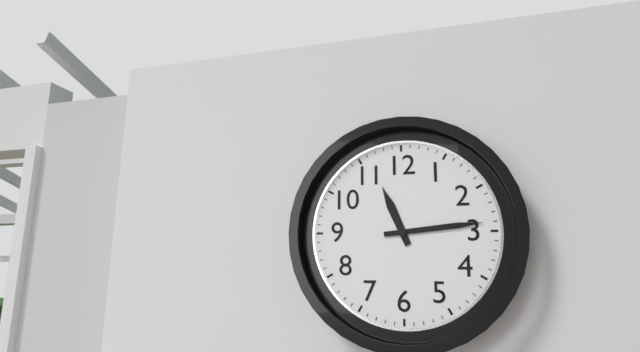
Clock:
11:14
